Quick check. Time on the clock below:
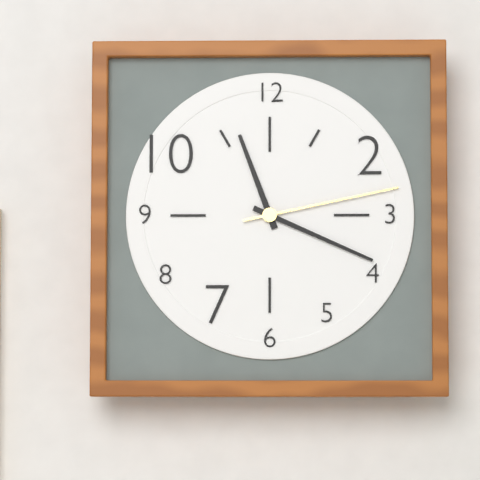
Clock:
11:19:13
